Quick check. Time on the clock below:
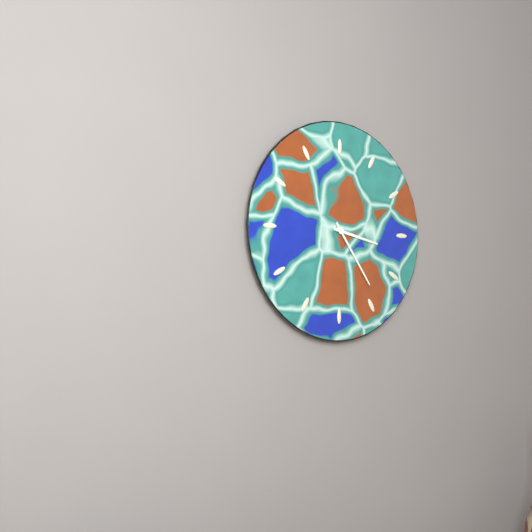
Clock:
3:24
